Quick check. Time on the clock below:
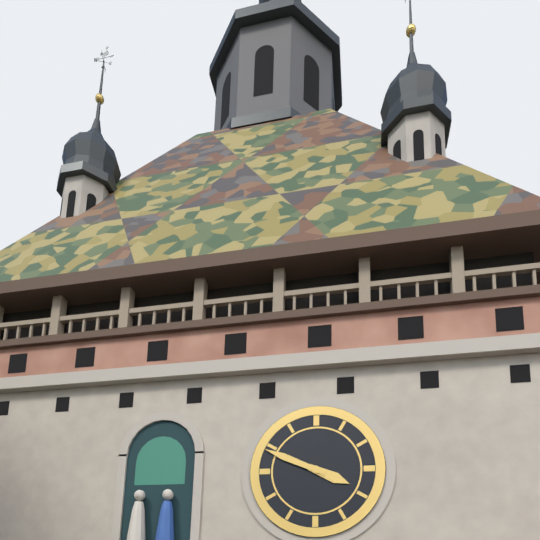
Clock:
3:49
